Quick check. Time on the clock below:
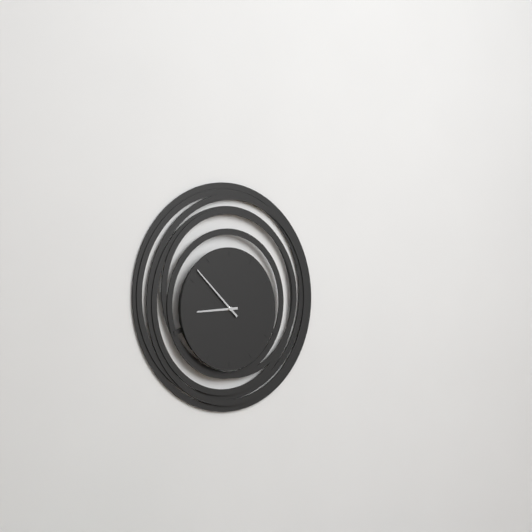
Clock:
8:52
